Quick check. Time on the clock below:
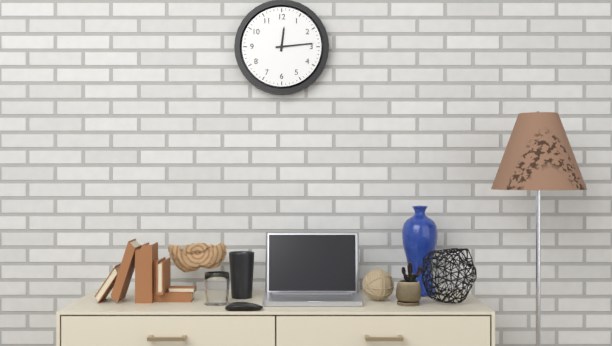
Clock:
12:14
